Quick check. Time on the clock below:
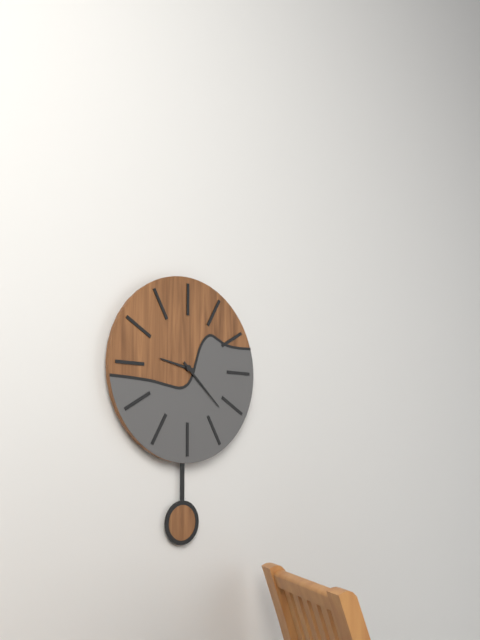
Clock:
9:22
